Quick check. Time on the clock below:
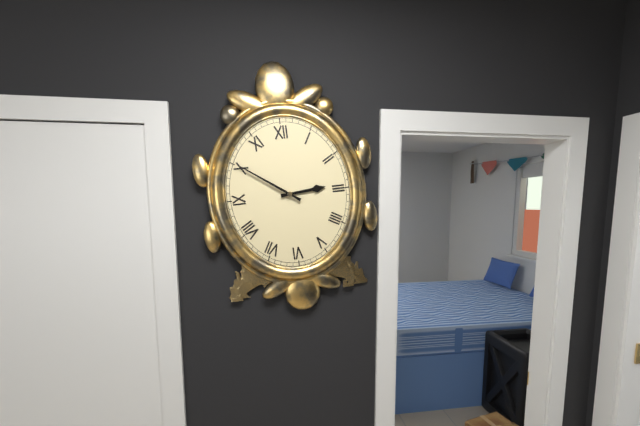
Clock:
2:51
